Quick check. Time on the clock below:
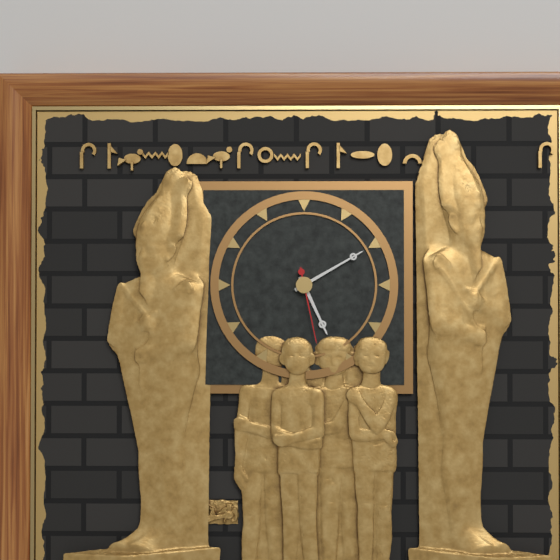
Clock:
5:10:28
